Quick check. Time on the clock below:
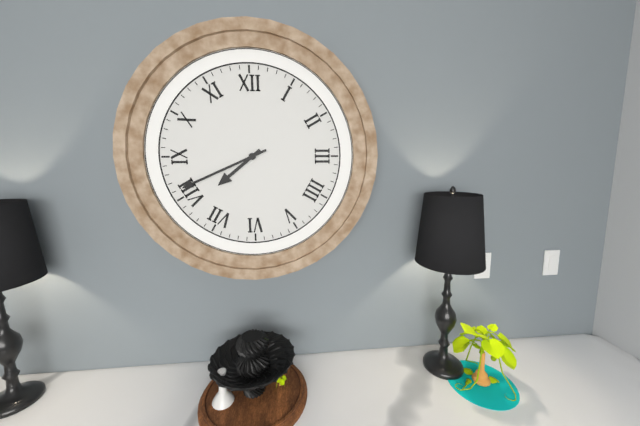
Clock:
7:41
